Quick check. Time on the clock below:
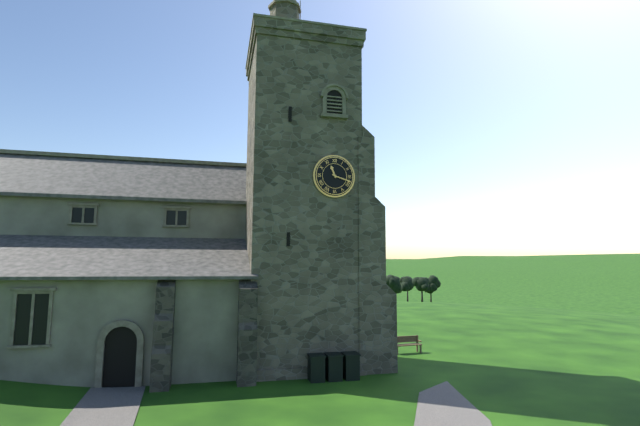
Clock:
11:18
